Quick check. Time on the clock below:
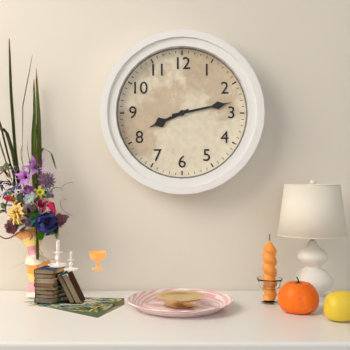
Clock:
8:13
